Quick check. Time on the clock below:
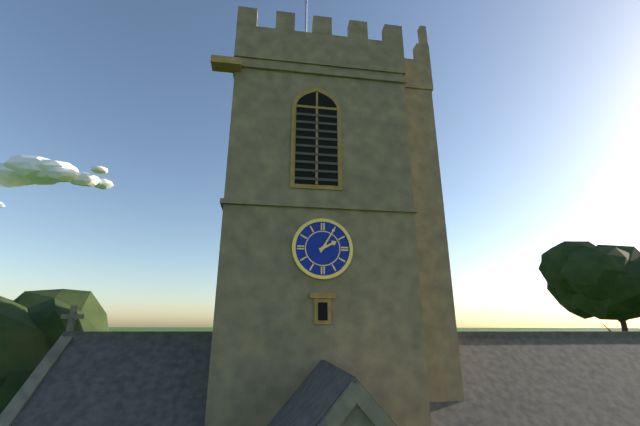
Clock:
2:05
